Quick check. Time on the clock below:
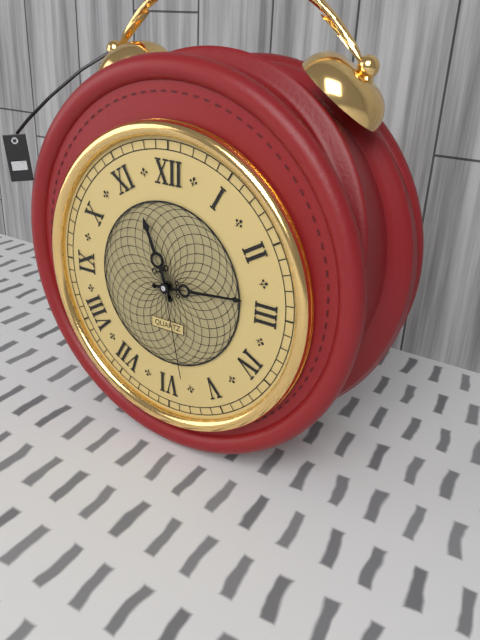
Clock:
11:14:28
